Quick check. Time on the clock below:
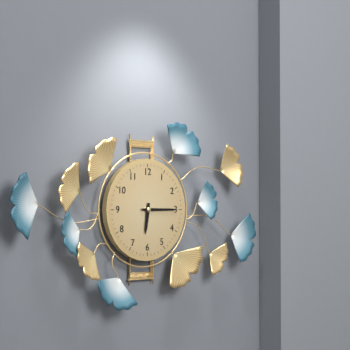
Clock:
6:15
